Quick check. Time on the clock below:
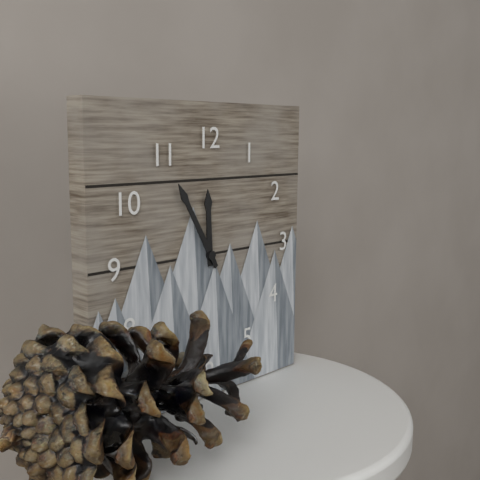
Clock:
11:55
